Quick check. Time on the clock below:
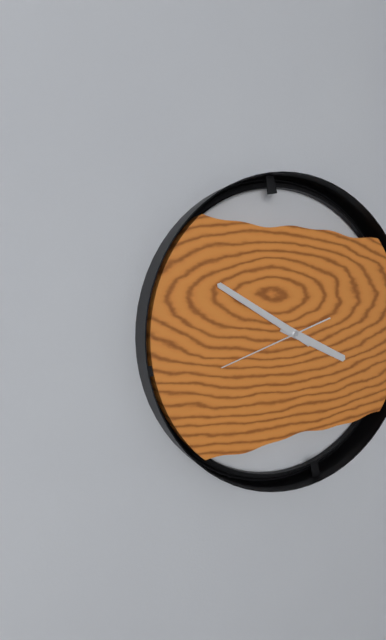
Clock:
3:50:42
